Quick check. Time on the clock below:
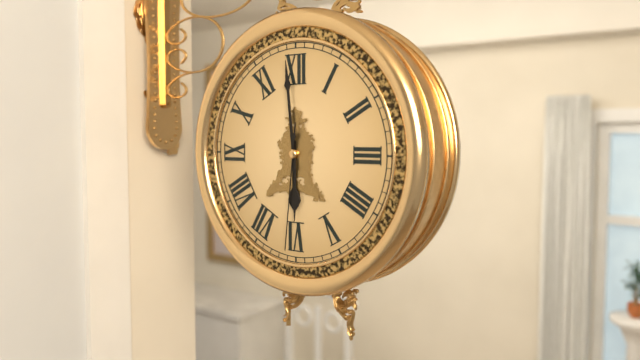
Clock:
5:59:31
